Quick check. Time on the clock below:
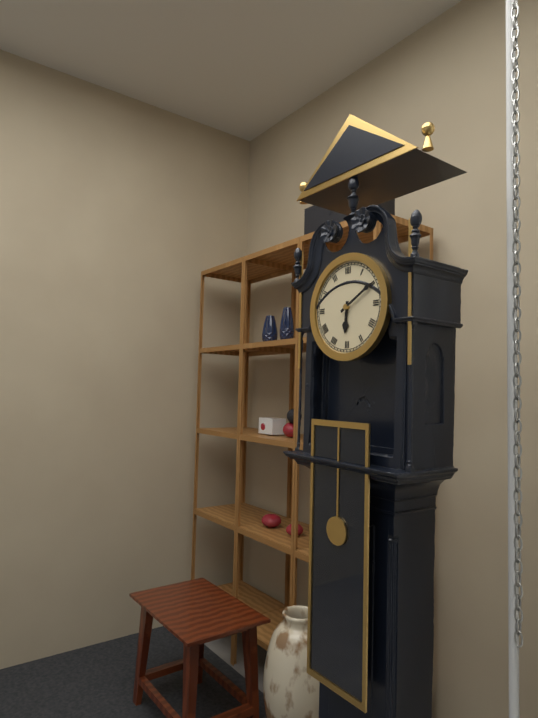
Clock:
6:10
